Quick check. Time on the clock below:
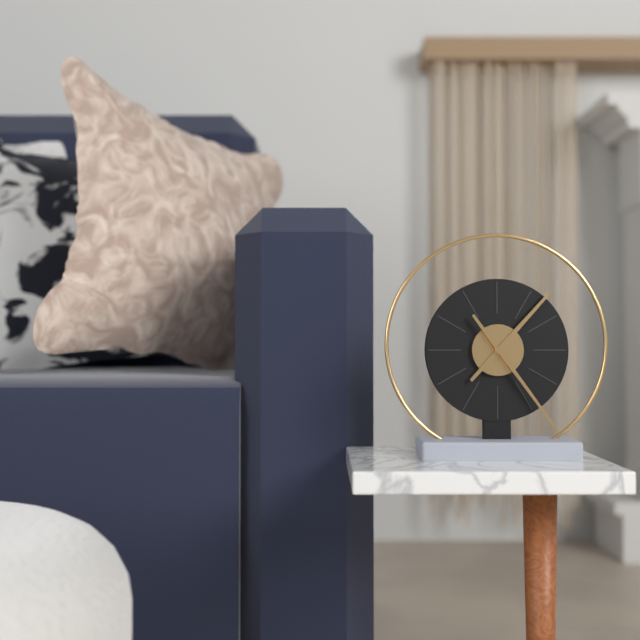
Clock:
1:24
